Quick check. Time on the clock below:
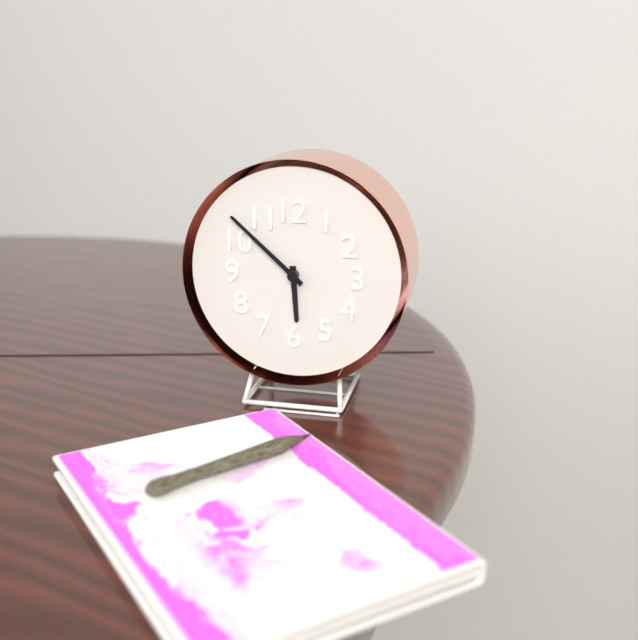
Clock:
5:52
